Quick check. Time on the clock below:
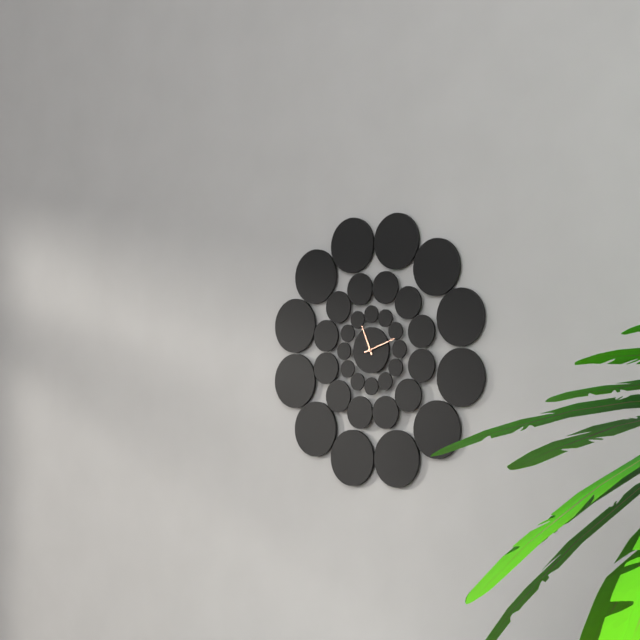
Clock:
11:12
